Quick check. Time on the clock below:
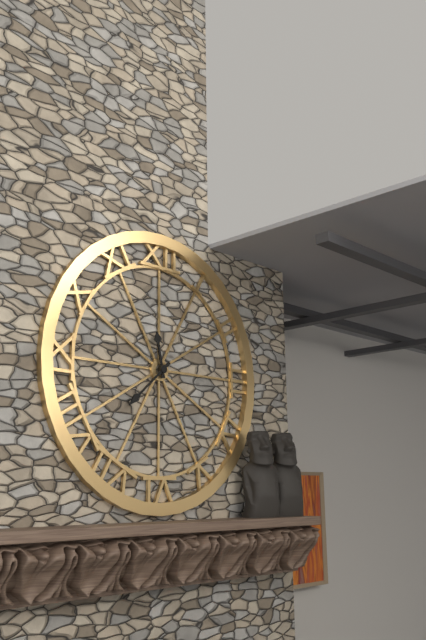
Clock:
11:38
